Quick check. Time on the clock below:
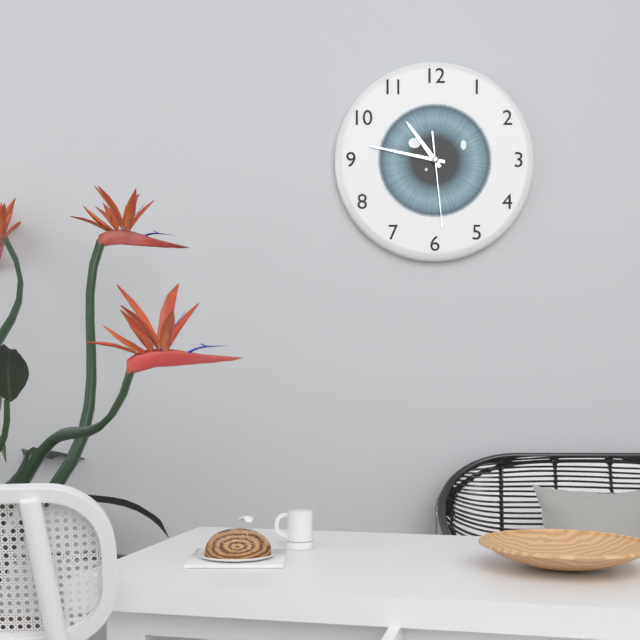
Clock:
10:47:29
